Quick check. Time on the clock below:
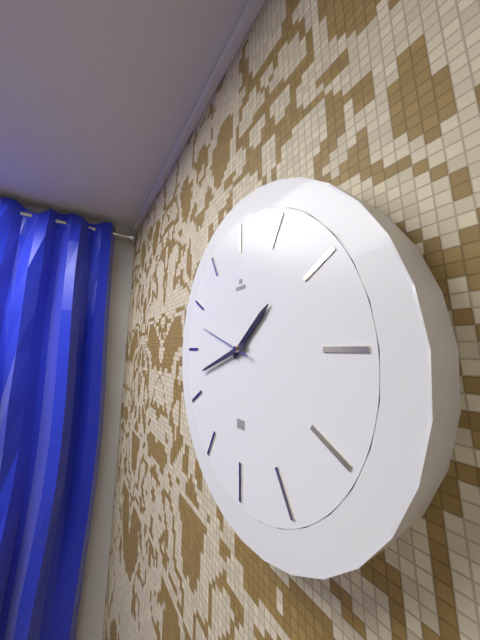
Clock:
1:42:48
